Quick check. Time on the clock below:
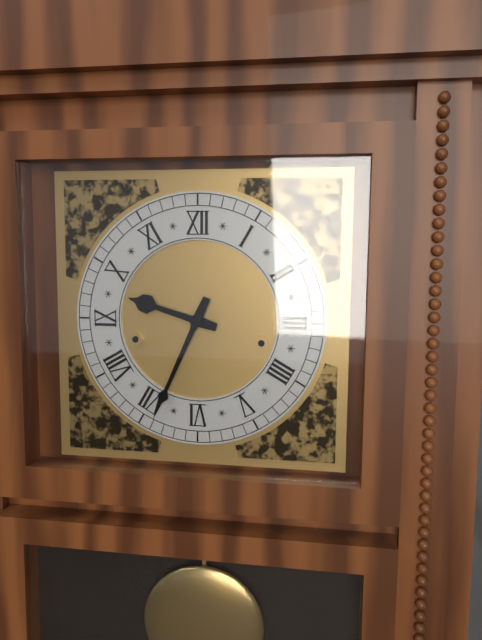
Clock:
9:34
